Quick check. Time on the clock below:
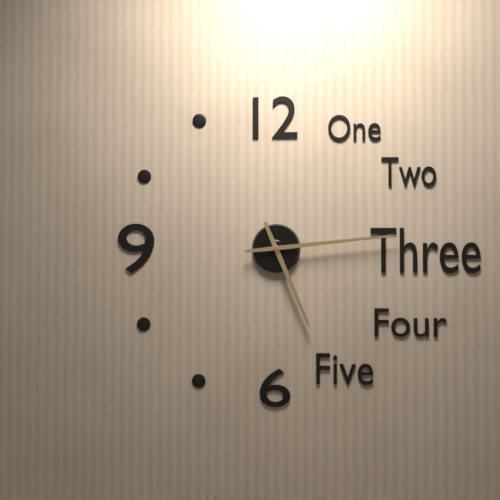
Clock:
5:14
